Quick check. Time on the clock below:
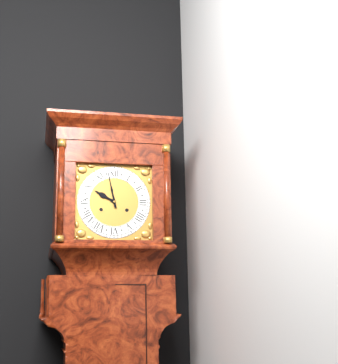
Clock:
9:58
